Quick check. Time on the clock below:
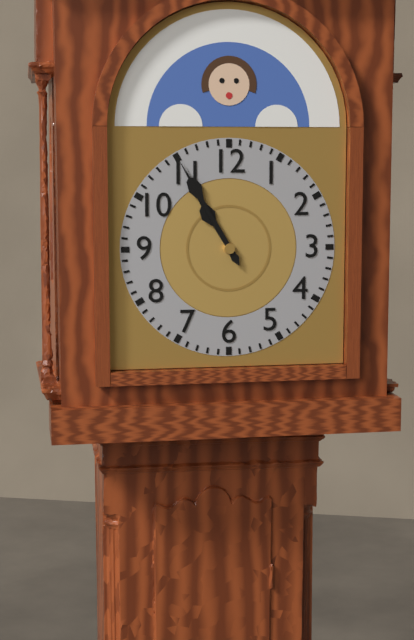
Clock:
10:55
